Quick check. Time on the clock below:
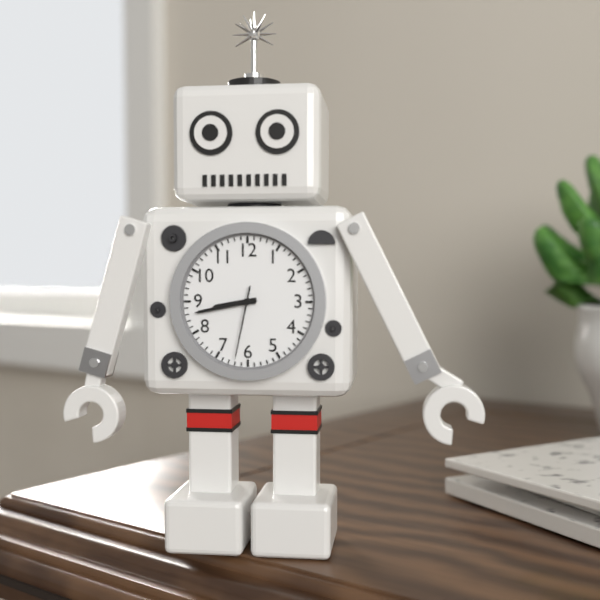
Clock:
8:43:32
